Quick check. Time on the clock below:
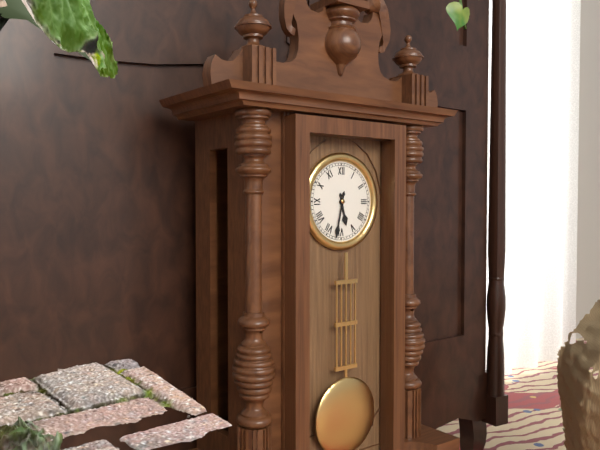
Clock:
5:32
